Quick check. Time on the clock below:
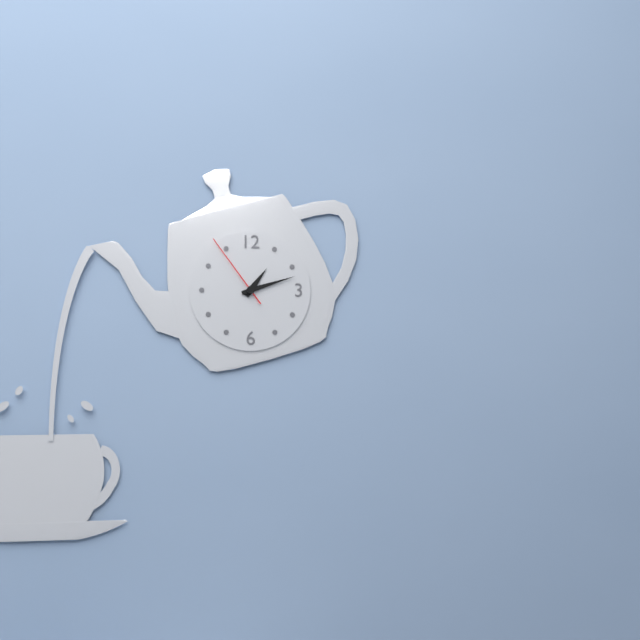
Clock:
1:12:54
